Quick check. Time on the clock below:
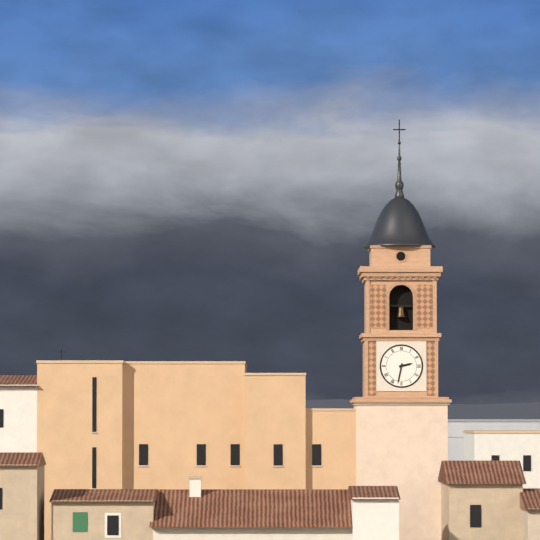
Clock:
2:32
